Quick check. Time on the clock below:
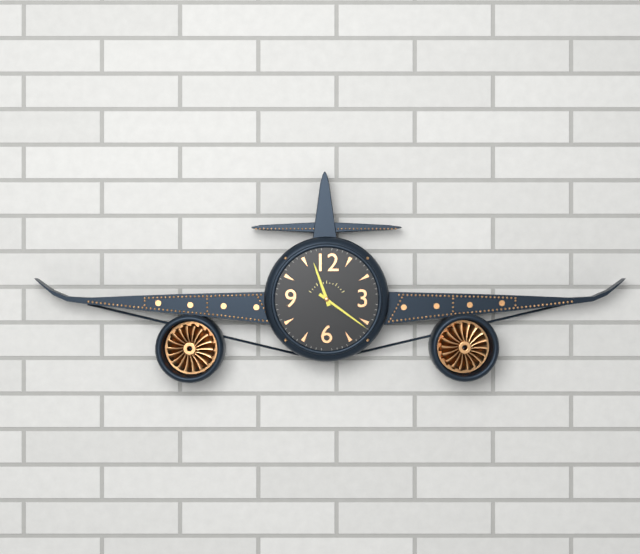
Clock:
11:21
